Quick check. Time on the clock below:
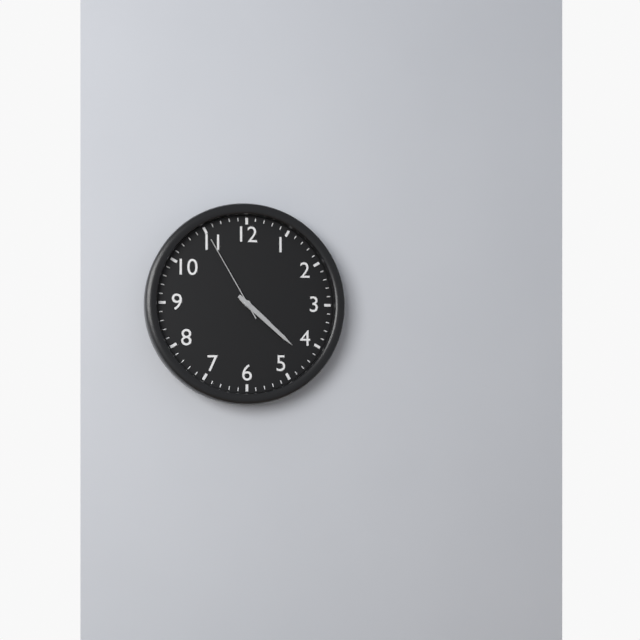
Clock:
4:22:55
